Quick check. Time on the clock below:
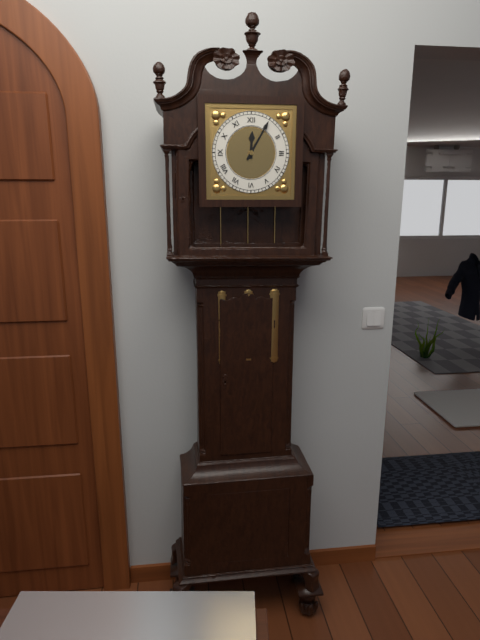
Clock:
12:05
